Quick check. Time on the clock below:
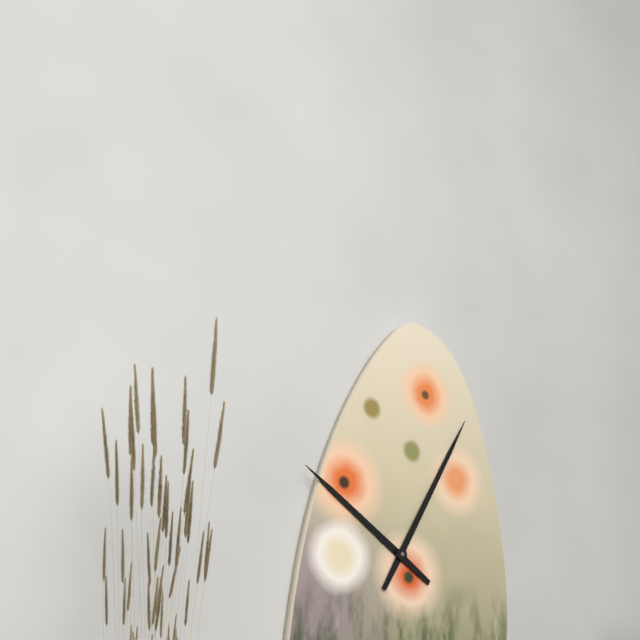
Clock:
10:05
